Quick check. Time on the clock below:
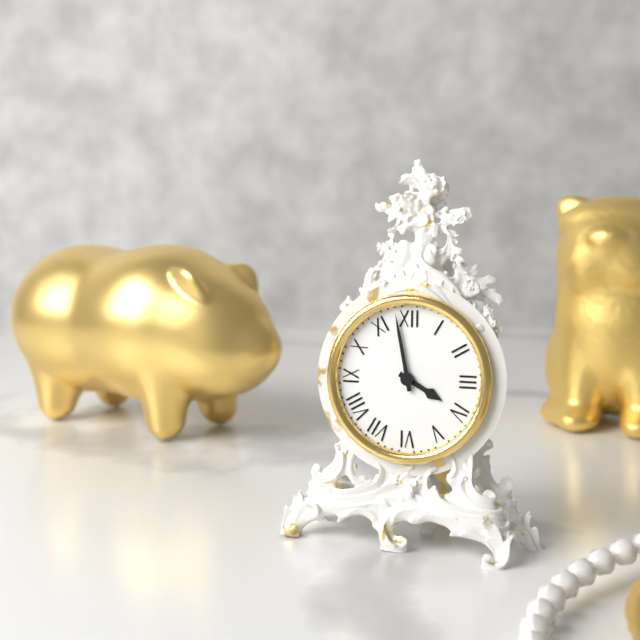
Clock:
3:58
